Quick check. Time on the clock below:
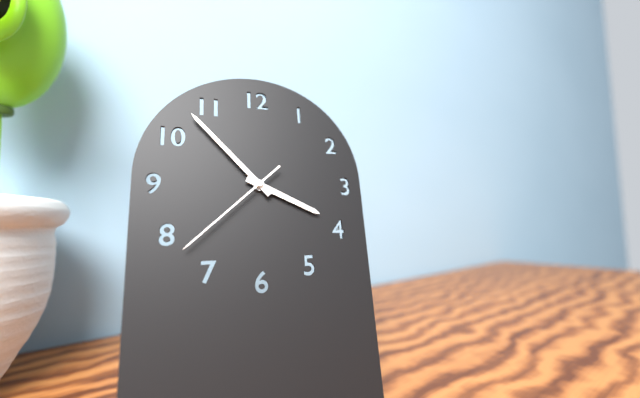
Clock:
3:53:38
